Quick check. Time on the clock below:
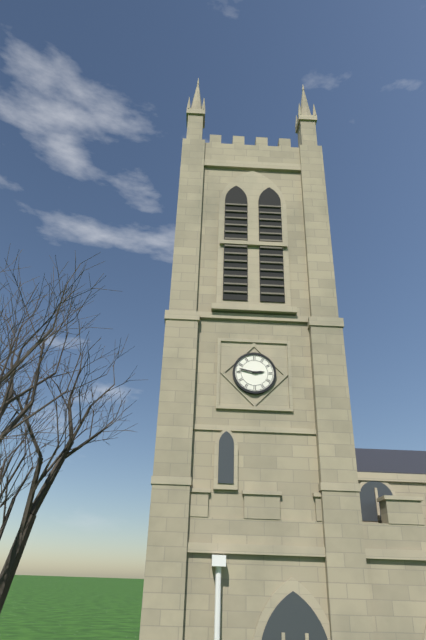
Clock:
2:47
